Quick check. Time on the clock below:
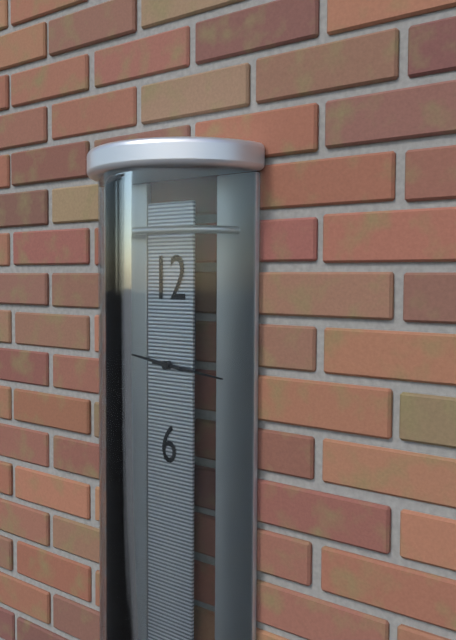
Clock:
9:16
